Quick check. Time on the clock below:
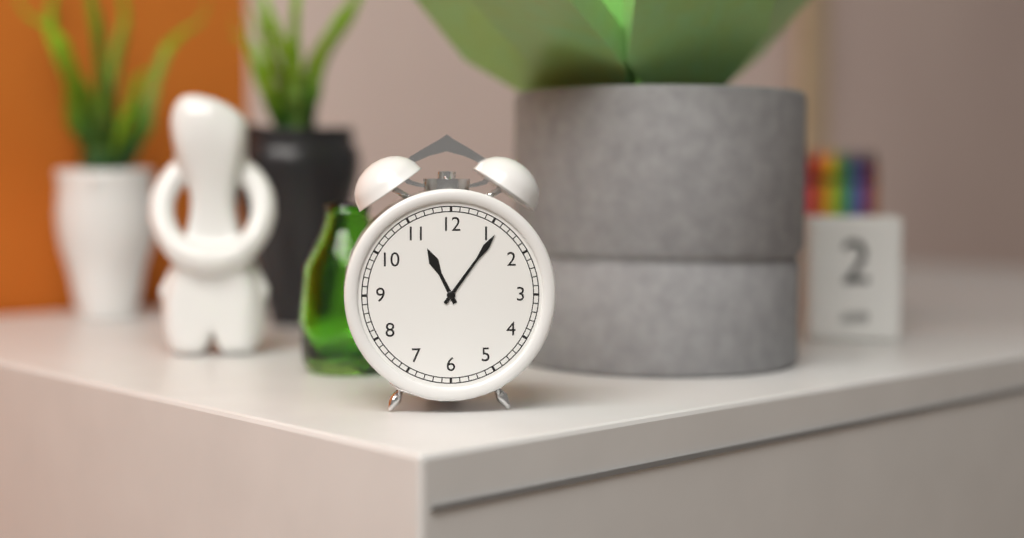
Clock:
11:06
